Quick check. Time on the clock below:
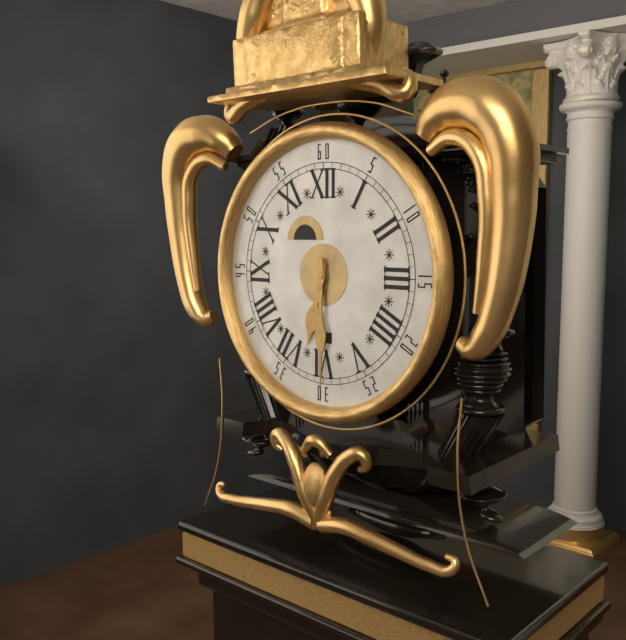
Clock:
6:30
